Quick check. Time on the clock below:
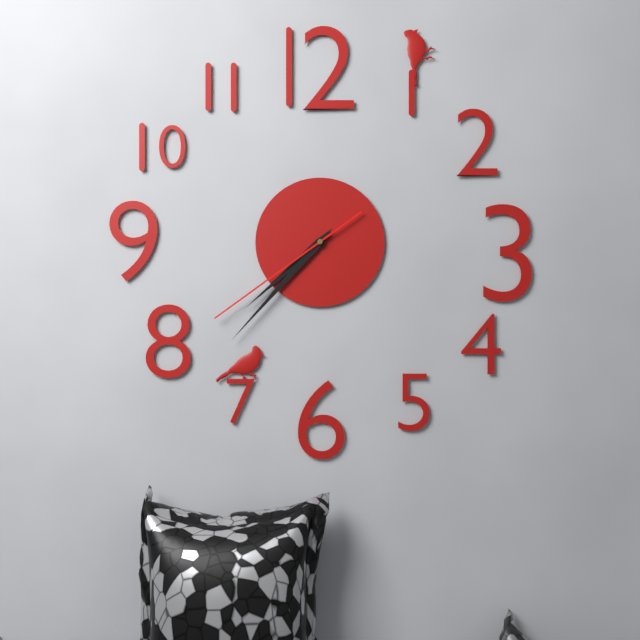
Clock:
7:37:39
